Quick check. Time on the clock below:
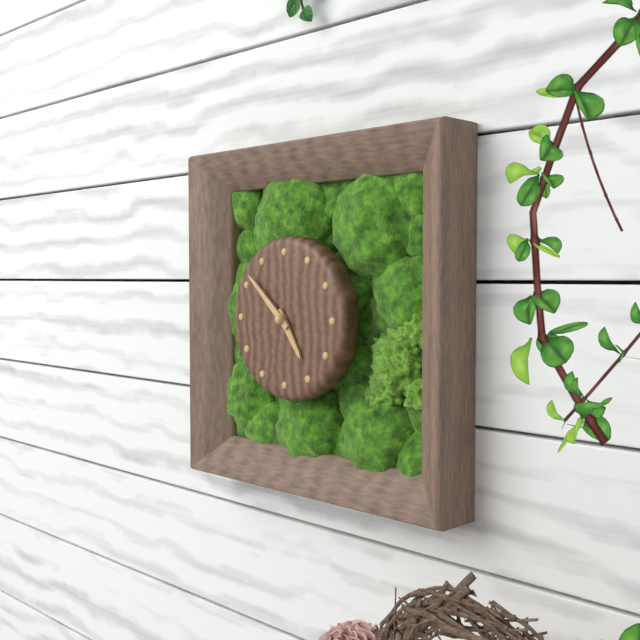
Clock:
4:52
